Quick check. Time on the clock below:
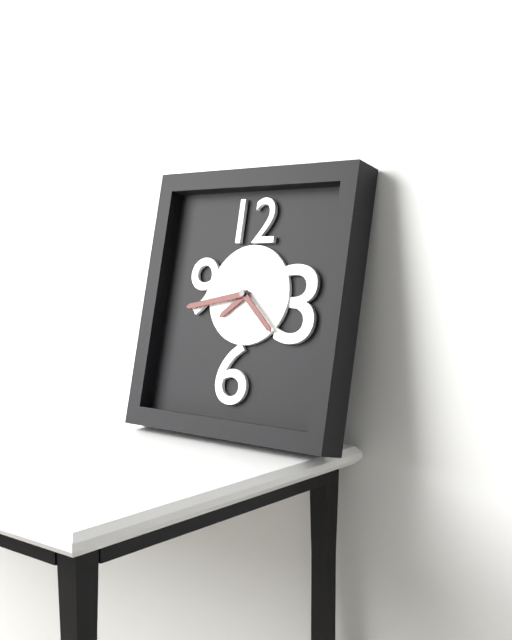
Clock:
7:43:22
